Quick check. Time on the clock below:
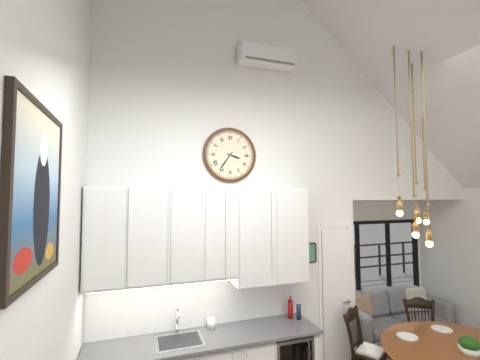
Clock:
3:36
